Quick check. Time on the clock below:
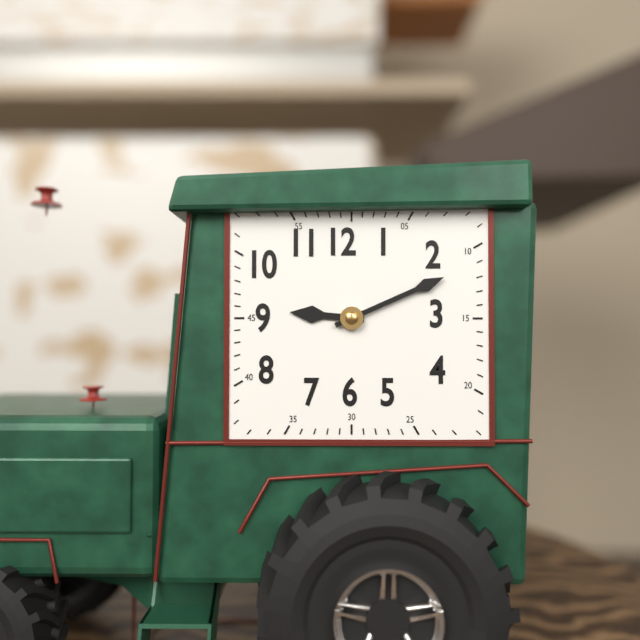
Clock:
9:11
